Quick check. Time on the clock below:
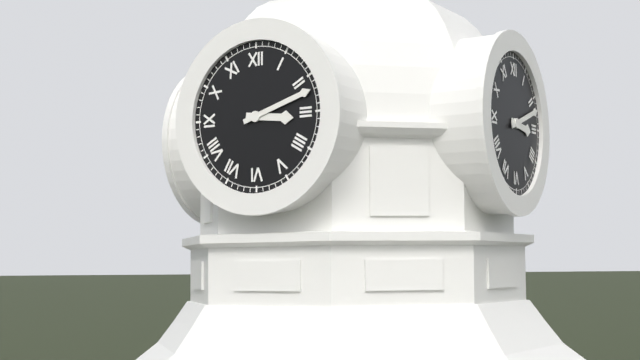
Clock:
3:12
